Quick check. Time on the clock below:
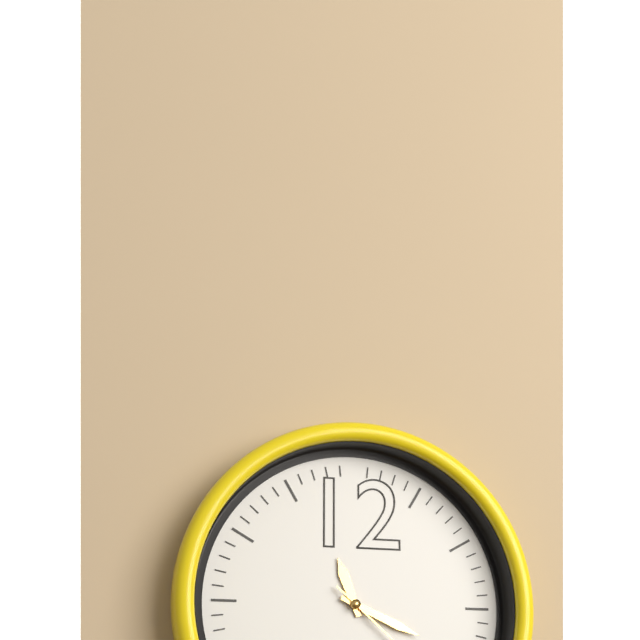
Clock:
11:19
